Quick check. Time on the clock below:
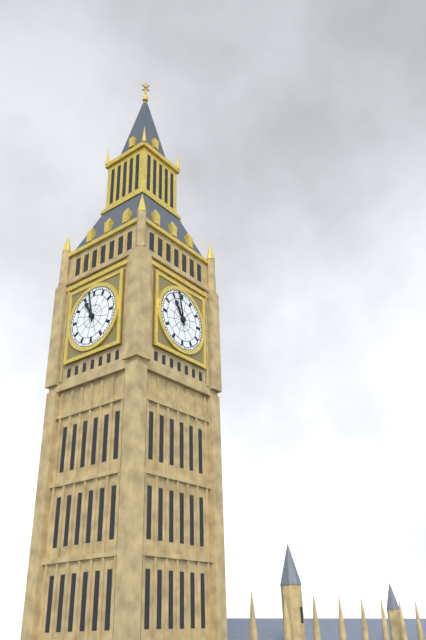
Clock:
10:58
